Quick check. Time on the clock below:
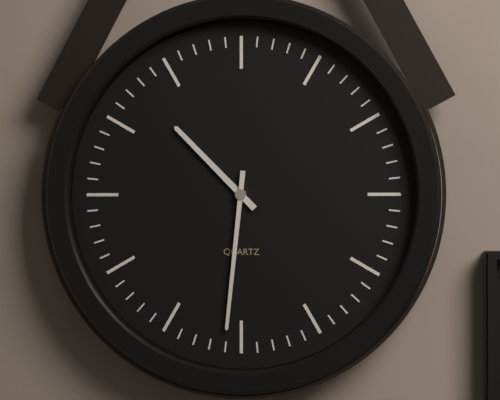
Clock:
10:31
